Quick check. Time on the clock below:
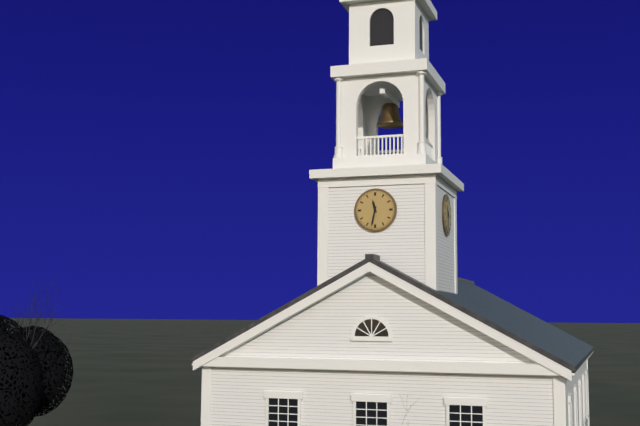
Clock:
11:32
